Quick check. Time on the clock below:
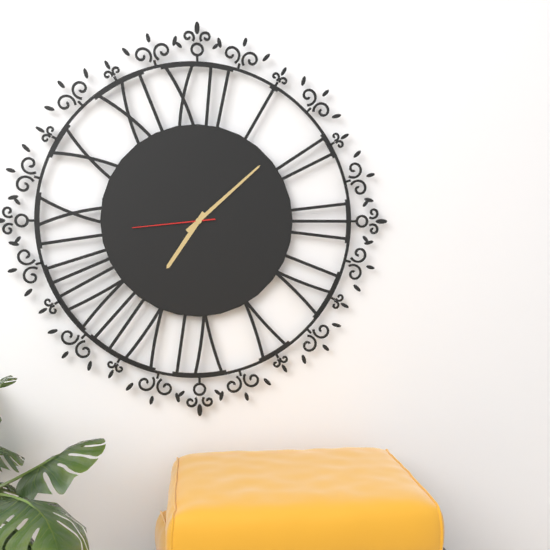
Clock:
7:08:44
